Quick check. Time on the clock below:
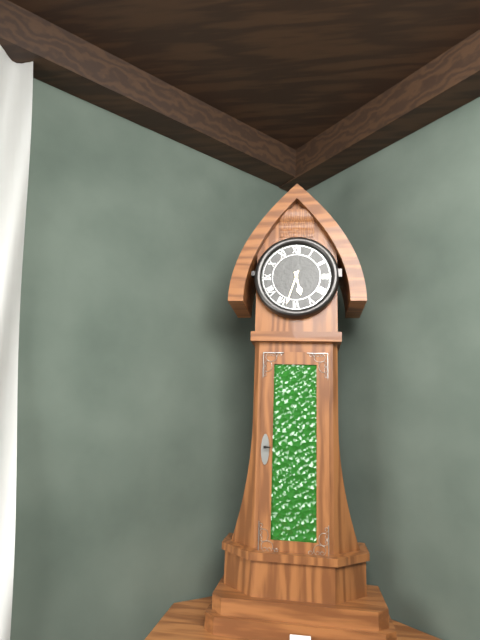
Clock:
5:33
